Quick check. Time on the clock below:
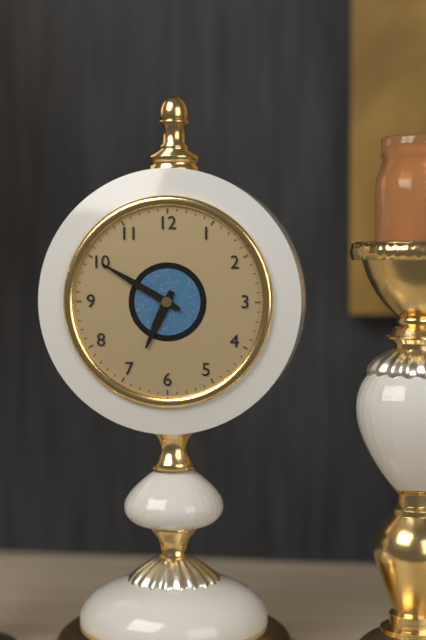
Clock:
6:50
